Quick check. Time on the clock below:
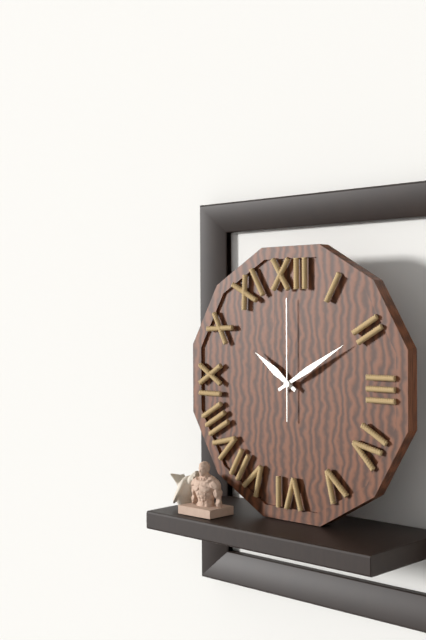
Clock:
10:10:00
